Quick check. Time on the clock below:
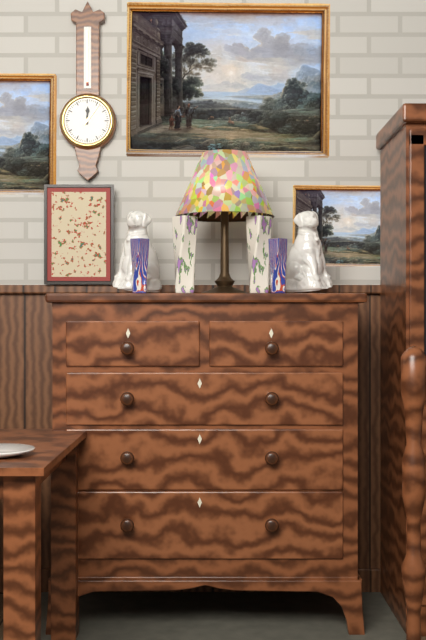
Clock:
12:06
